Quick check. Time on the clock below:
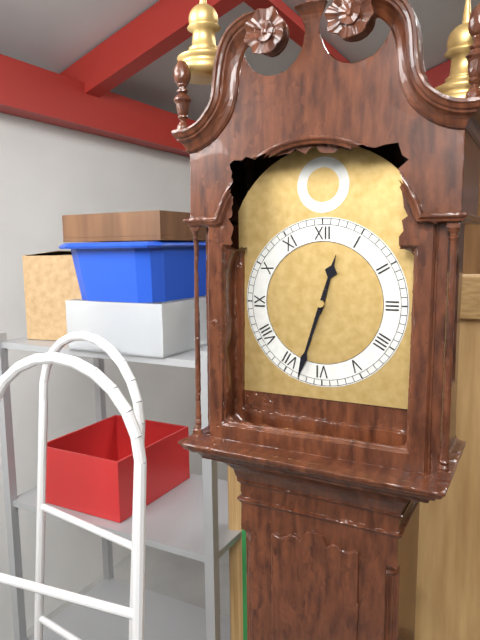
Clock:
12:33
